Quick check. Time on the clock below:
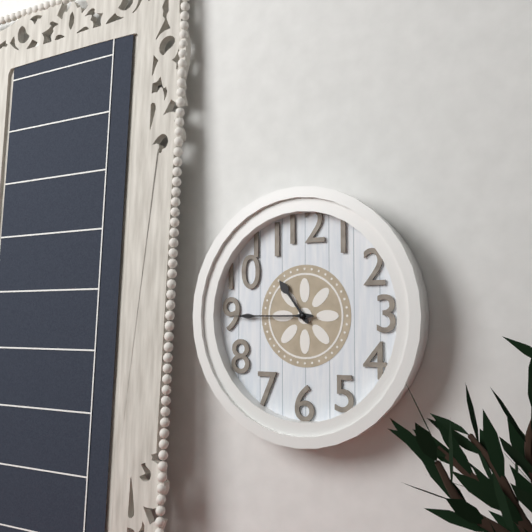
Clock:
10:45
